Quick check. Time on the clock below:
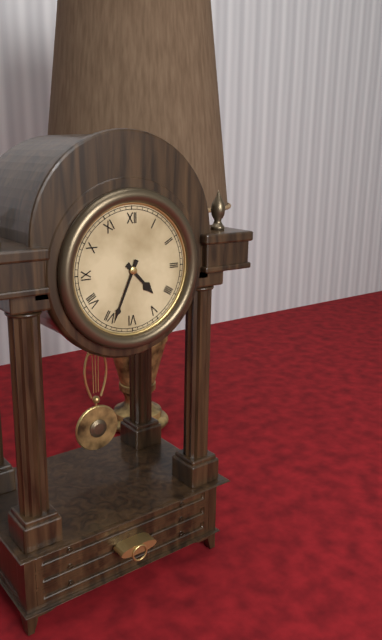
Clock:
4:34
